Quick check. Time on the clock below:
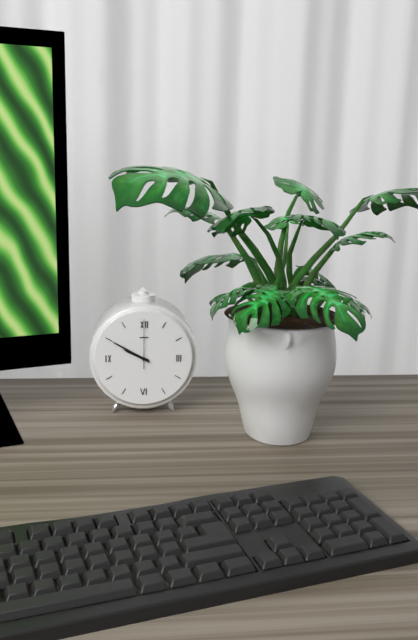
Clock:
9:50
